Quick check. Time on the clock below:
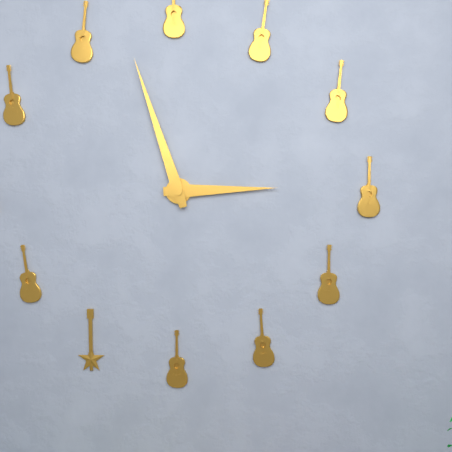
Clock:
2:57
